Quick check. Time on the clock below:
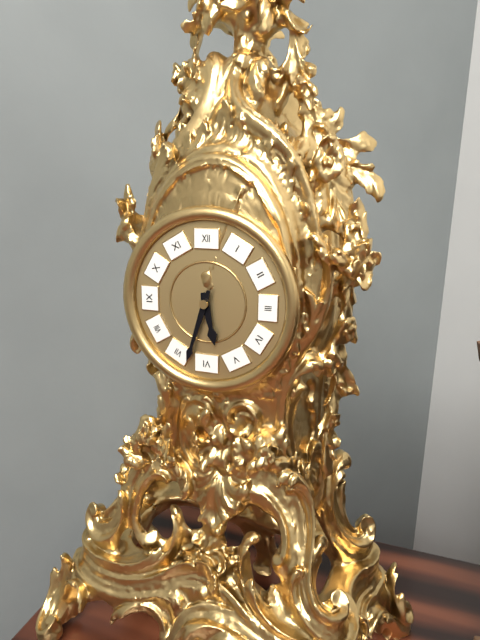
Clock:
5:33
